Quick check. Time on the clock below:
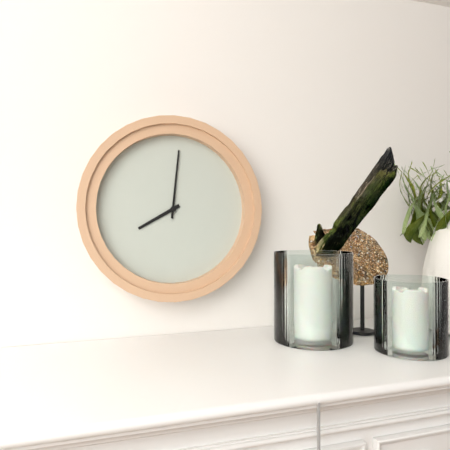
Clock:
8:01
